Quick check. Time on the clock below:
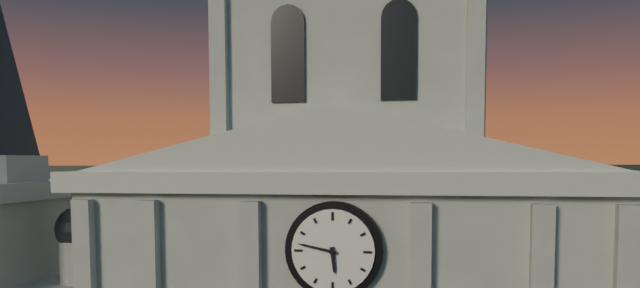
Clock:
5:47
